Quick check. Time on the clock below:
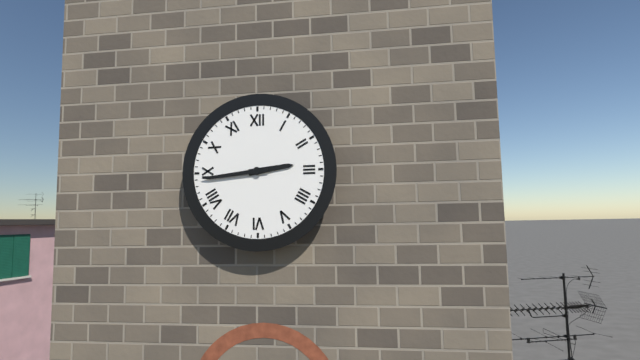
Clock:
2:44
